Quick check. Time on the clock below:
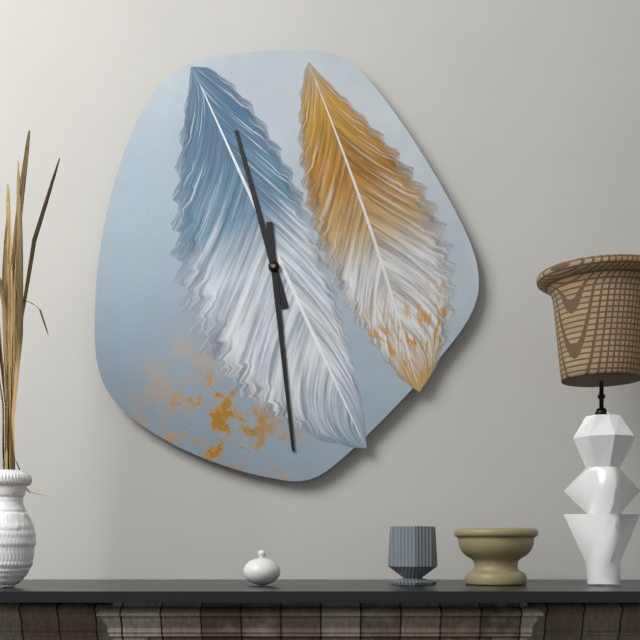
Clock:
11:29
